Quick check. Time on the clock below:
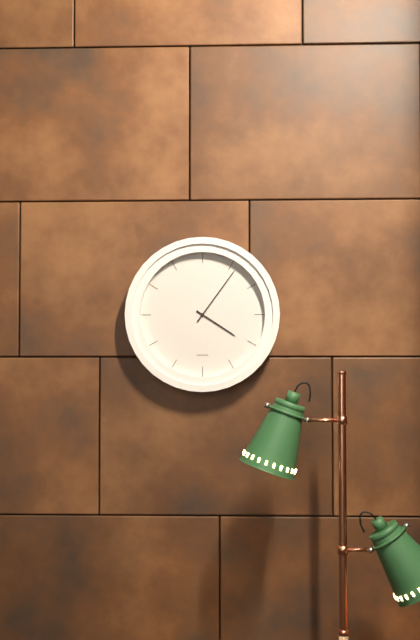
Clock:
4:06
